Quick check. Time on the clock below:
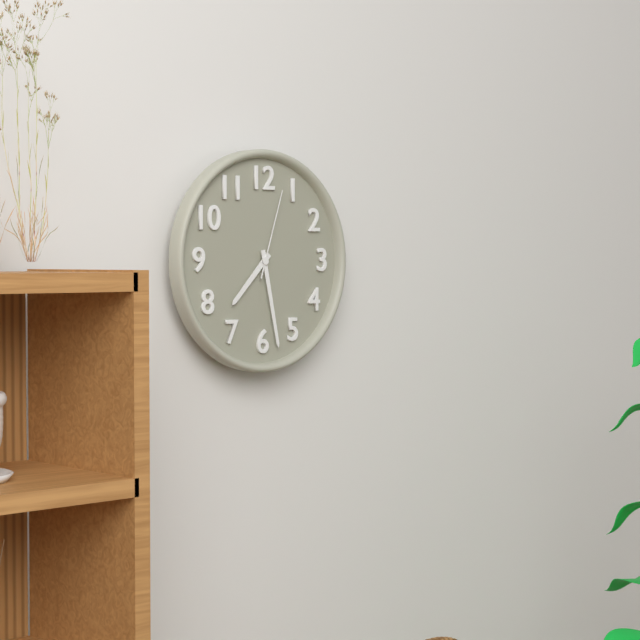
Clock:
7:28:03
